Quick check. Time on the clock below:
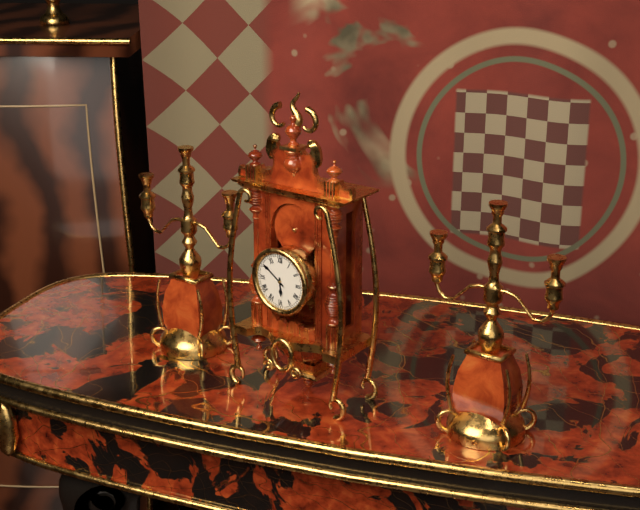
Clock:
5:51
